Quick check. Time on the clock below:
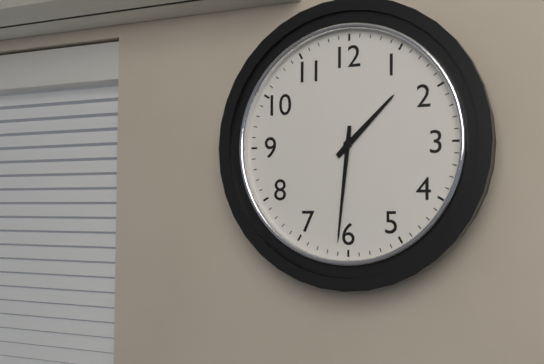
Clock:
1:31
